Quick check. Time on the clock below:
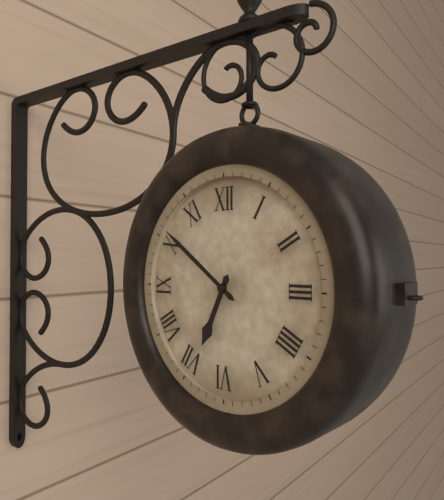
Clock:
6:51
